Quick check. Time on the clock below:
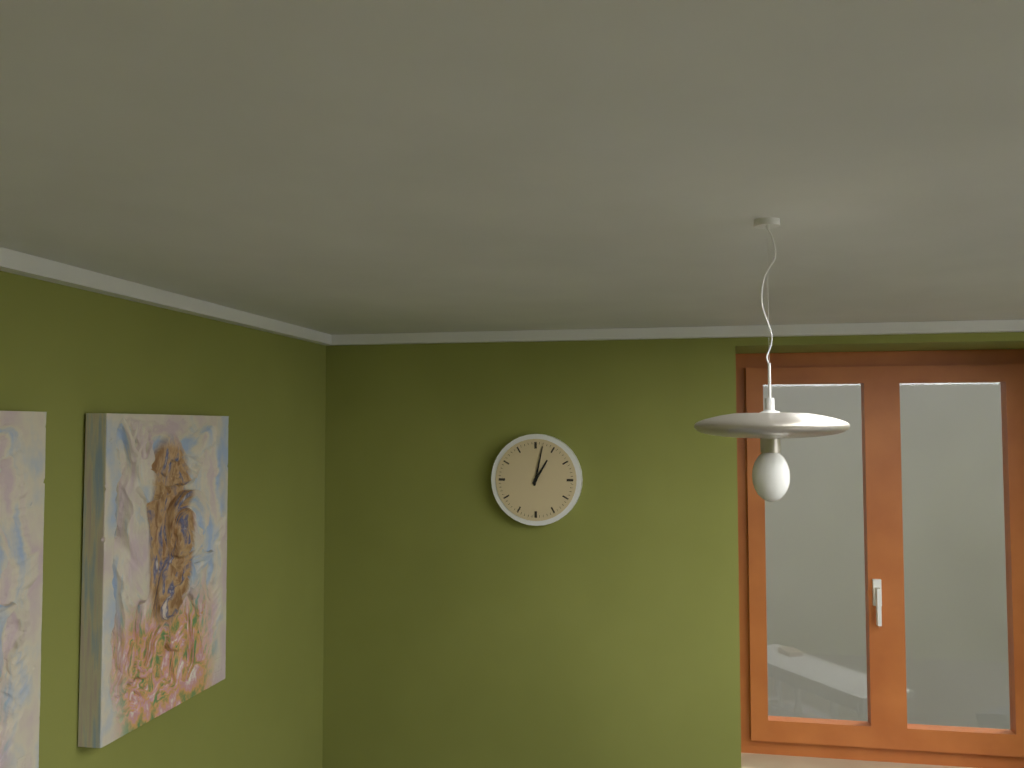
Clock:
1:02
